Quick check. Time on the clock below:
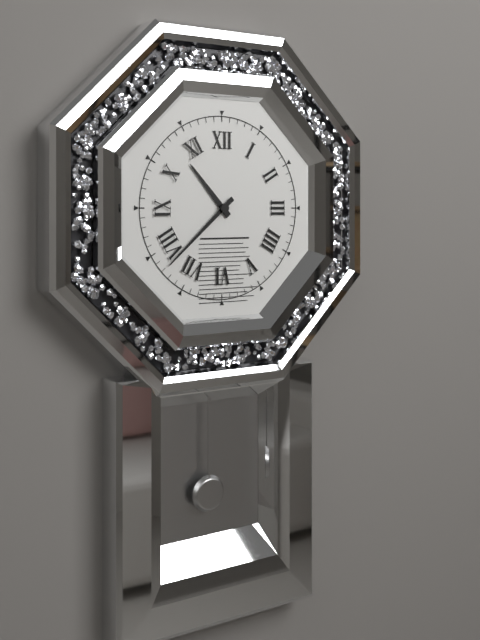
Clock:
10:38
